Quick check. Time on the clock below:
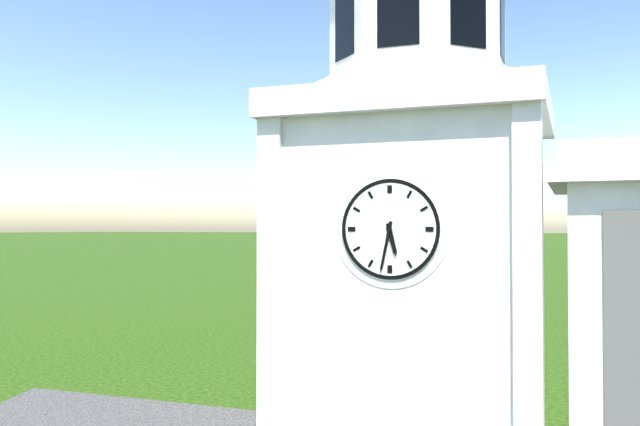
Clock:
5:32
